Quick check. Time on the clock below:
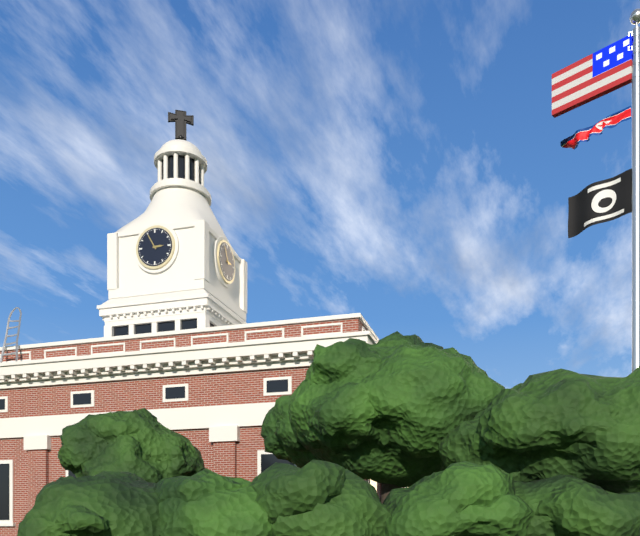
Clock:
2:55
